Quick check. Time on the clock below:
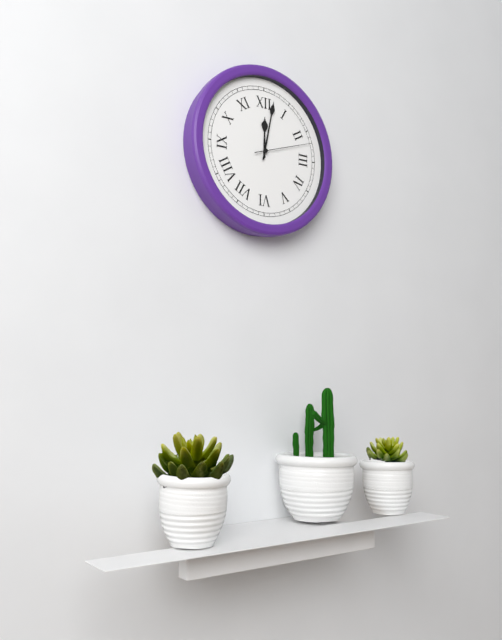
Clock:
12:02:12
